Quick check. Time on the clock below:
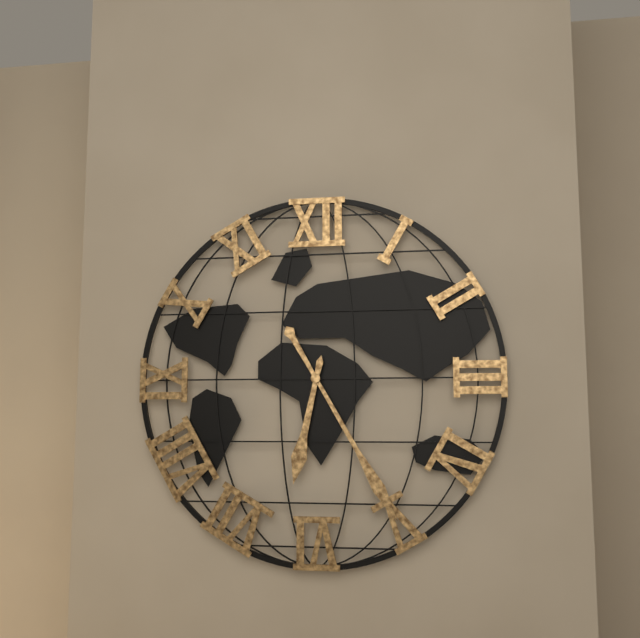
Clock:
6:25
